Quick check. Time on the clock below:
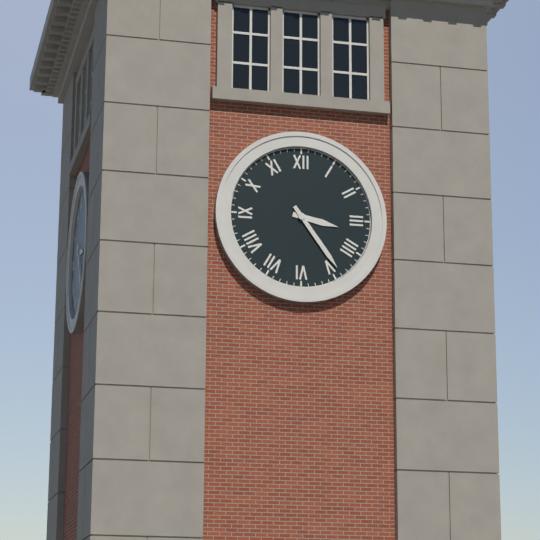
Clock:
3:24
